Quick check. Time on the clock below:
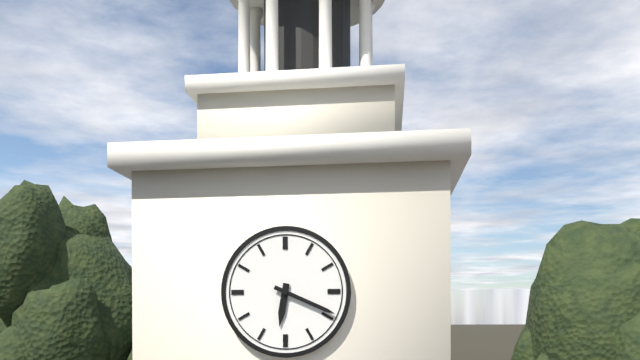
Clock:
6:19
